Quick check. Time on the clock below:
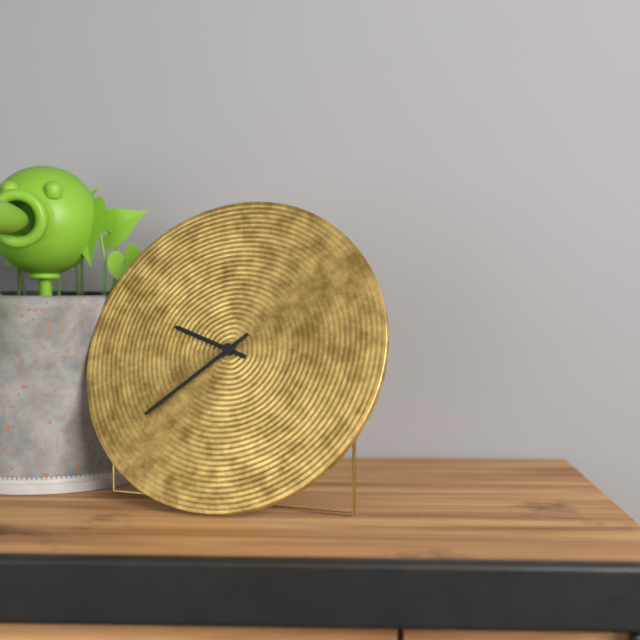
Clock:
9:38
